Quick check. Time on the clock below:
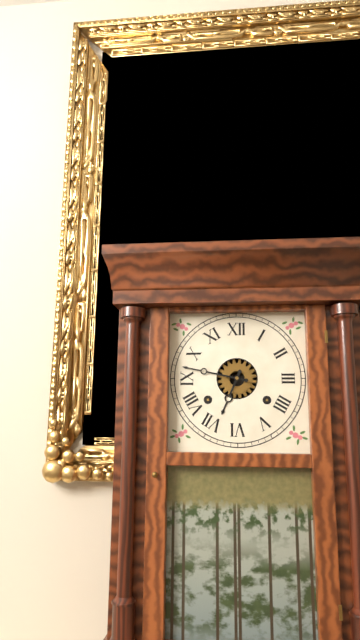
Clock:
6:47
